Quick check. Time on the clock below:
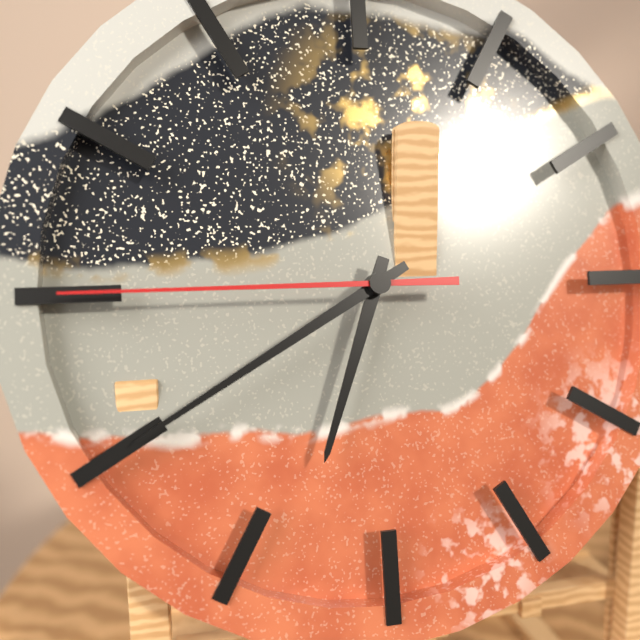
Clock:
6:40:45
